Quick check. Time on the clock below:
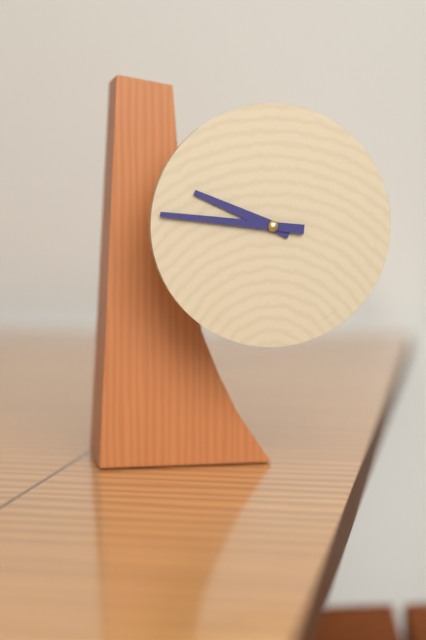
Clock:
9:46
